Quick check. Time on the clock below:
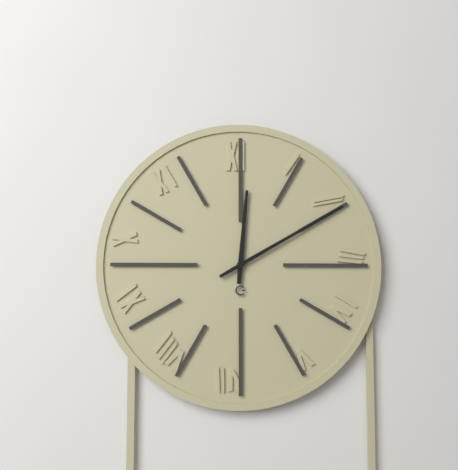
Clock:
12:10
